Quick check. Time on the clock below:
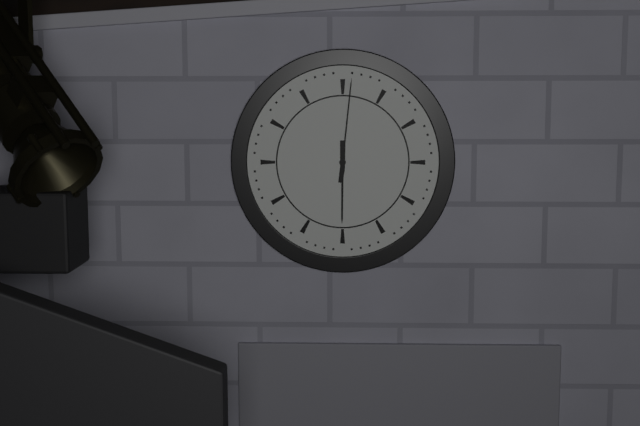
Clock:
6:01
